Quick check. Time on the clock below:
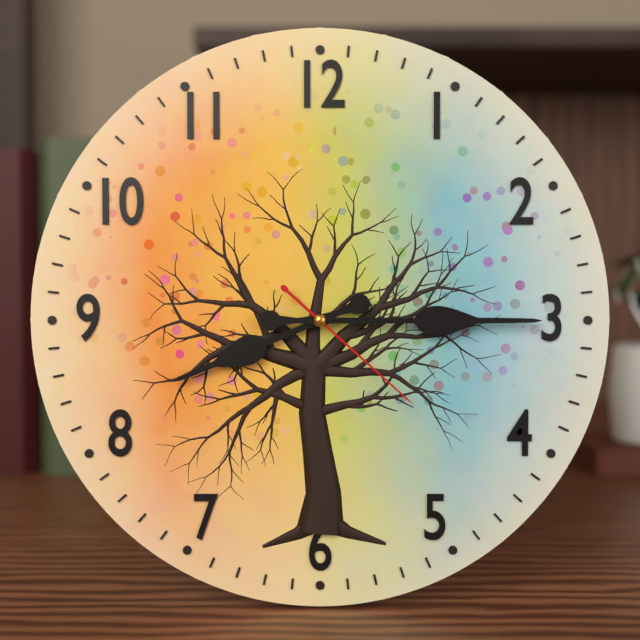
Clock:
8:15:22
